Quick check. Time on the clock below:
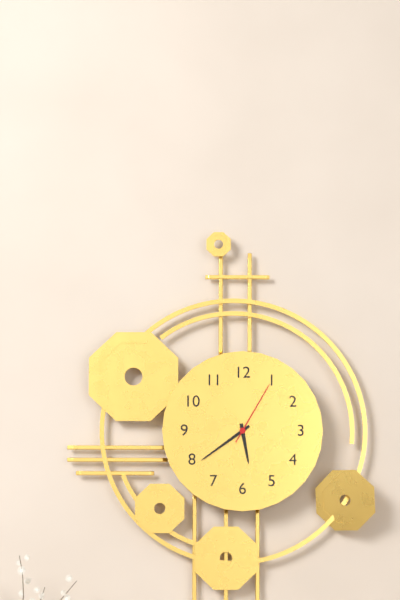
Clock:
5:39:05
